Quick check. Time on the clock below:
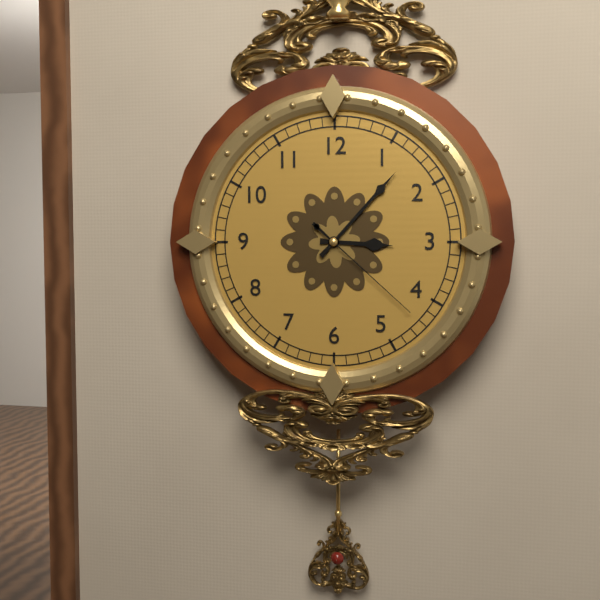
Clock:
3:07:22
